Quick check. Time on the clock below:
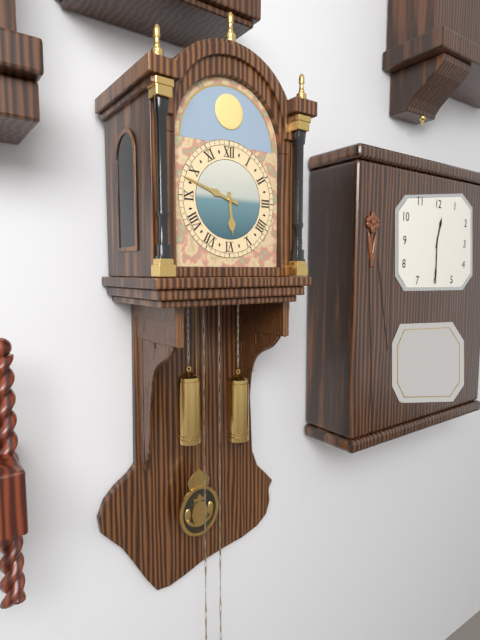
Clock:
5:48
